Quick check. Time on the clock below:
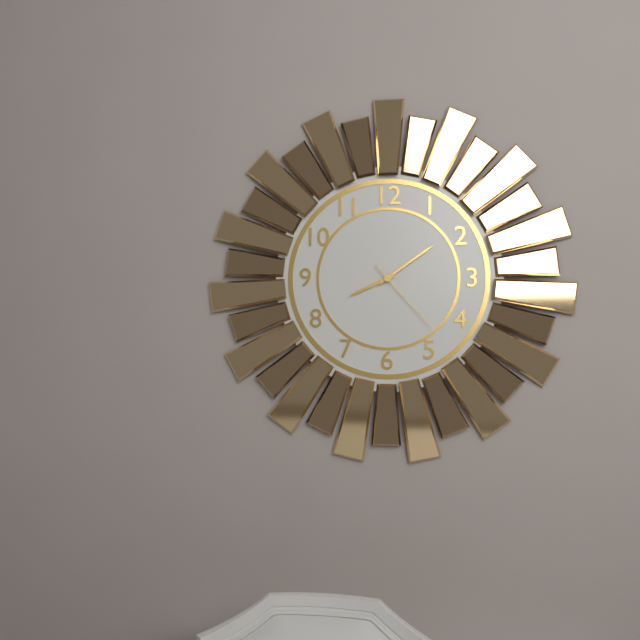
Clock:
8:09:23
